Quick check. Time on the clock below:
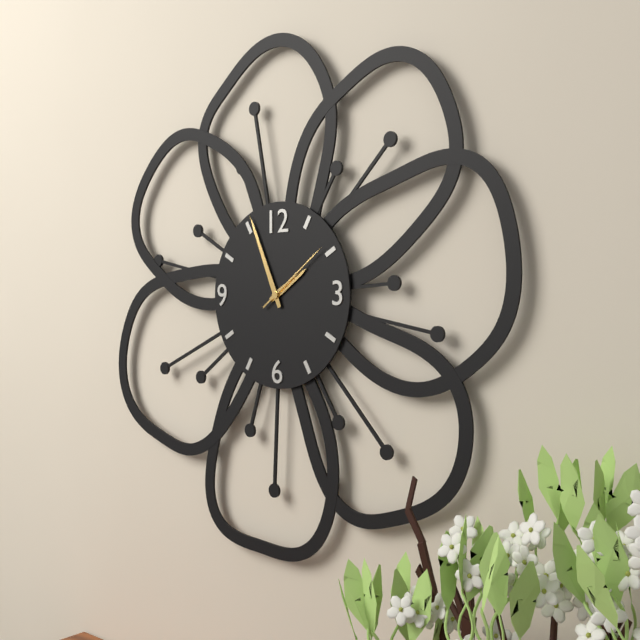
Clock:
1:56:09
